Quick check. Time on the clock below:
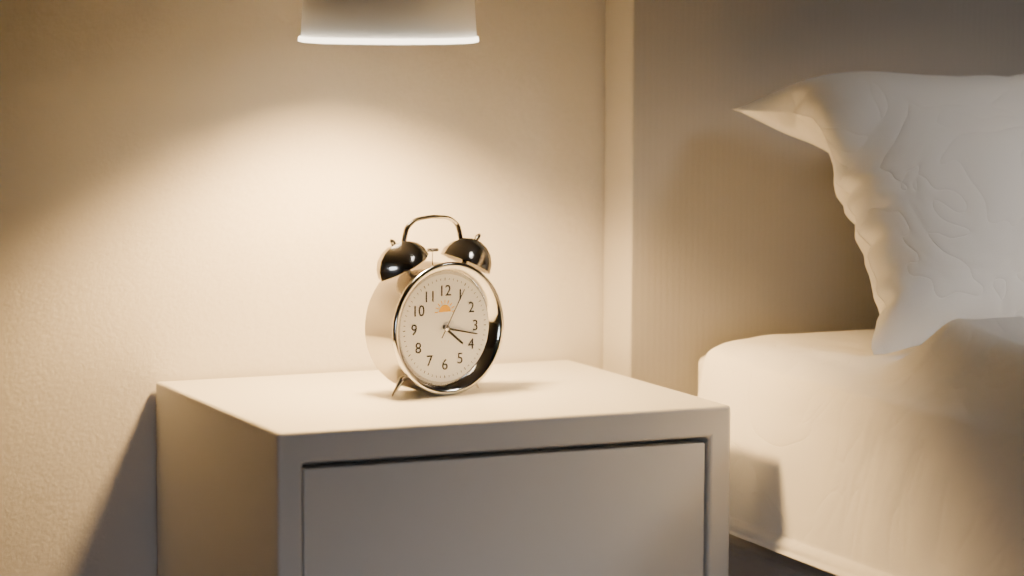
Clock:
4:17:05
